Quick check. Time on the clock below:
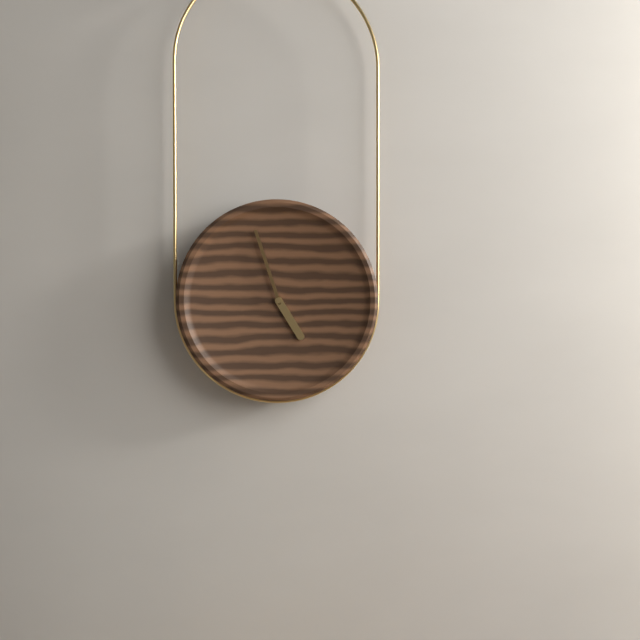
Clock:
4:57
